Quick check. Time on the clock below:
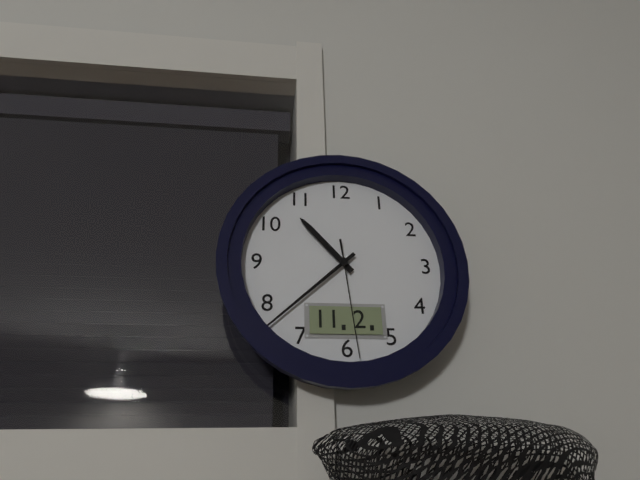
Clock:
10:38:29
